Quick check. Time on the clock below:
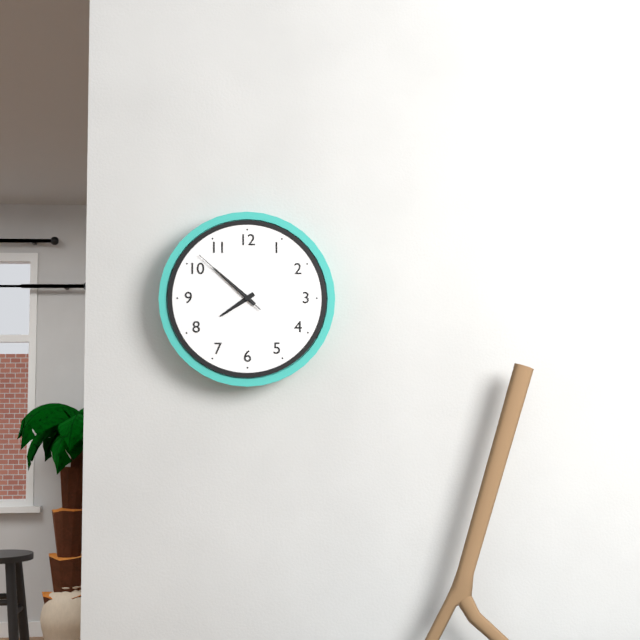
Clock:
7:52:52
